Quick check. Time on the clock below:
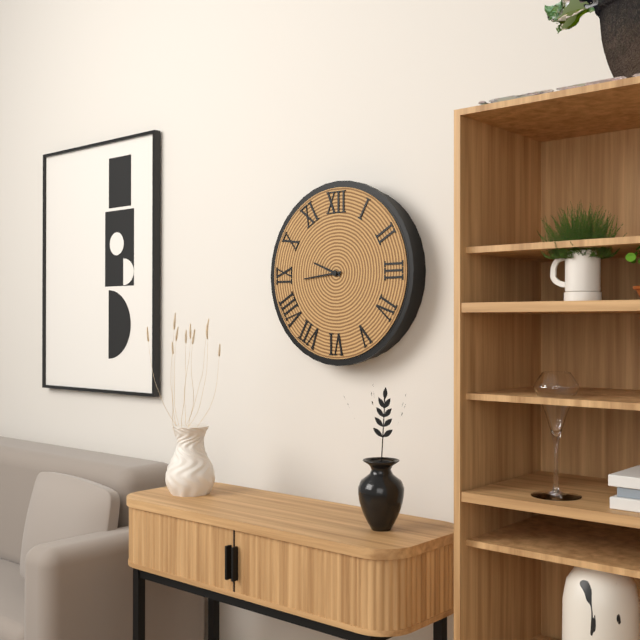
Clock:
9:44
